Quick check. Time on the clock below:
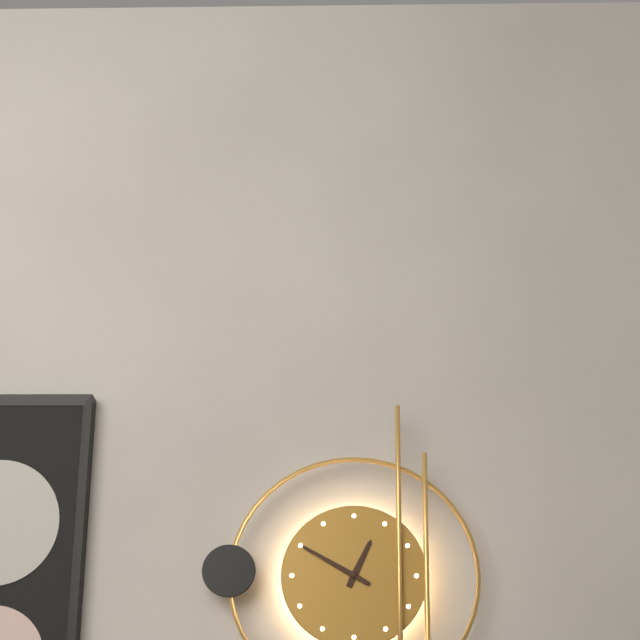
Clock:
12:50
